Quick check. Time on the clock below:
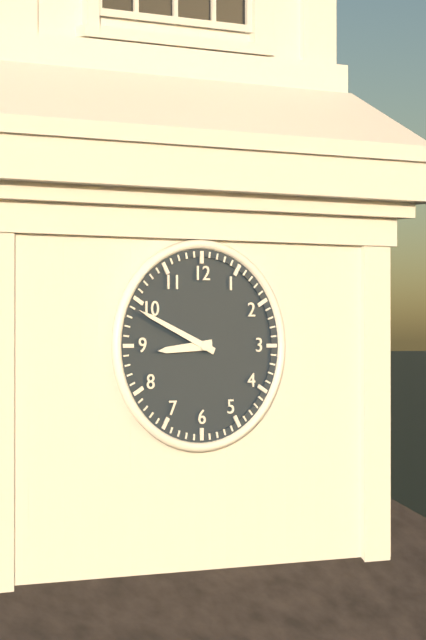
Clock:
8:49
